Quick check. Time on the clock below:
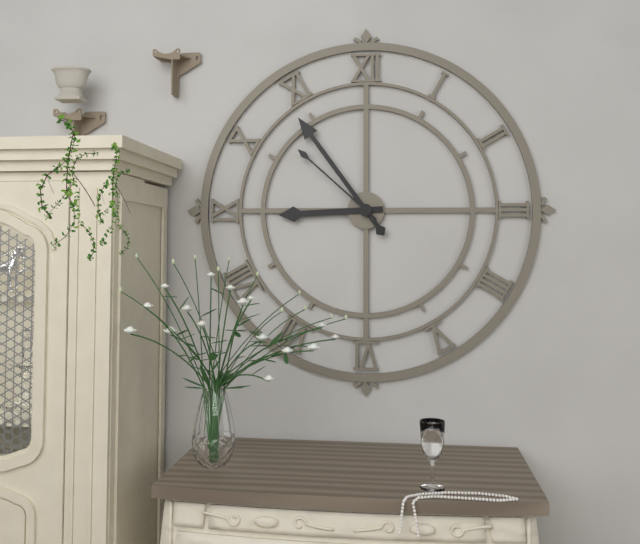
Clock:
8:54:52
